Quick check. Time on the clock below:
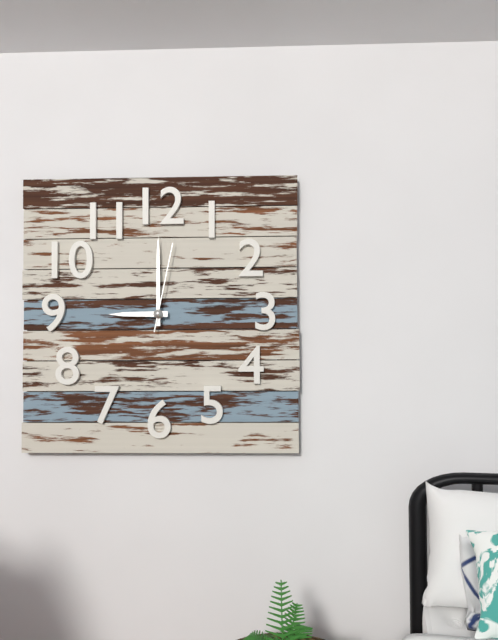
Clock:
9:00:02
